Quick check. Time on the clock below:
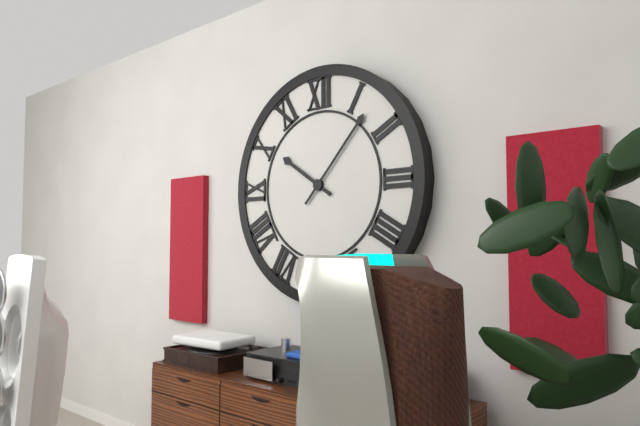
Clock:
10:07
